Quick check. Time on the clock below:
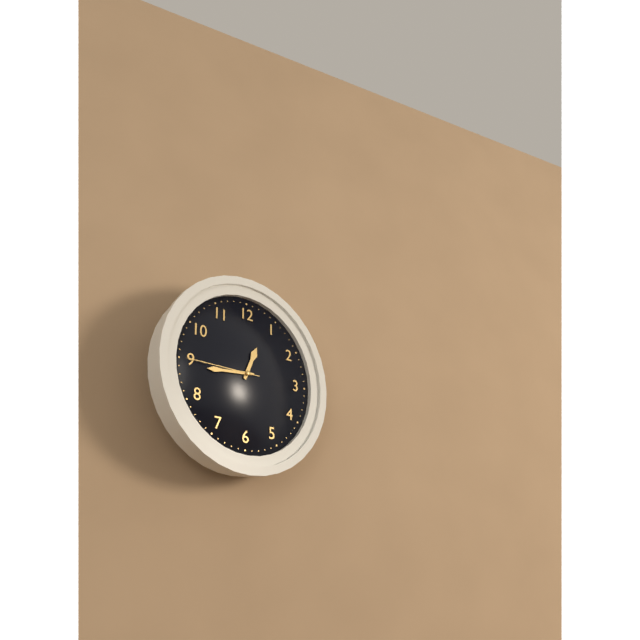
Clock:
12:44:45
